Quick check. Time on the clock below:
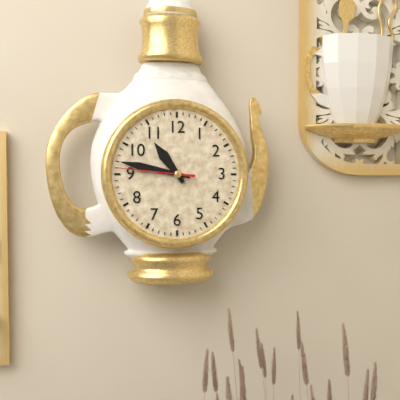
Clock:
10:47:46
